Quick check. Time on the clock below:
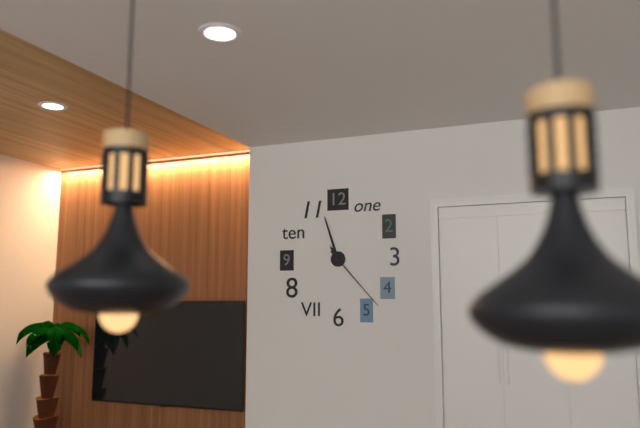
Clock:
10:57:23
